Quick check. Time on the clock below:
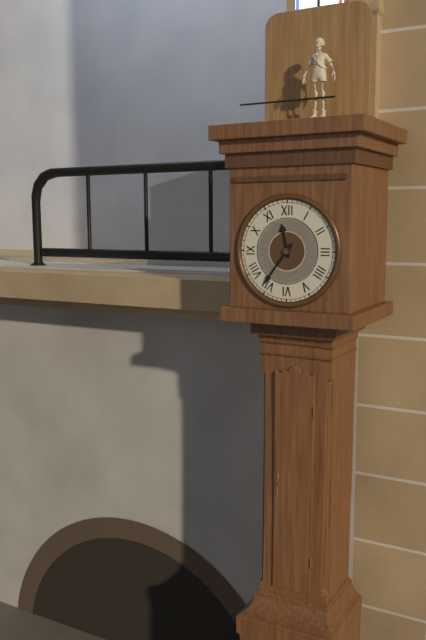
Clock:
11:36
